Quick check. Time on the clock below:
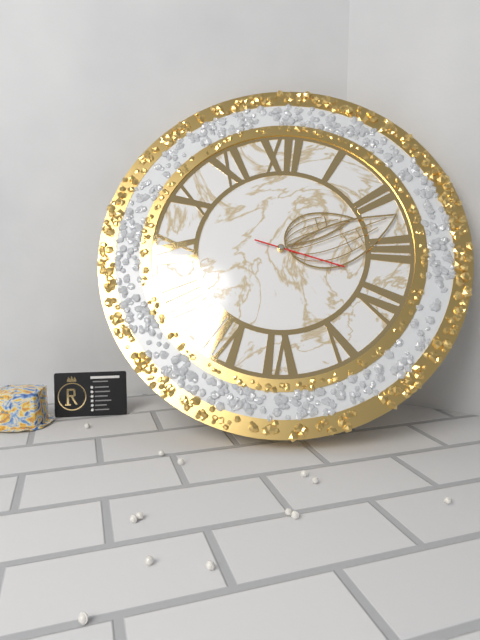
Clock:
2:12:18
